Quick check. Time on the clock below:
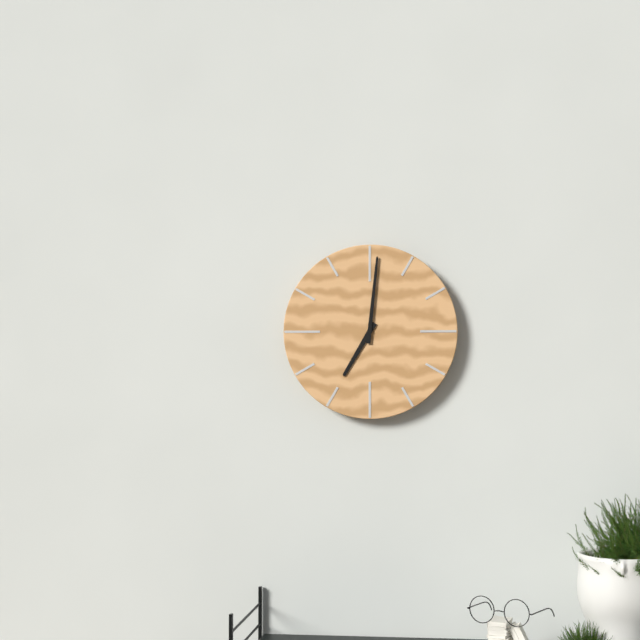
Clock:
7:01
